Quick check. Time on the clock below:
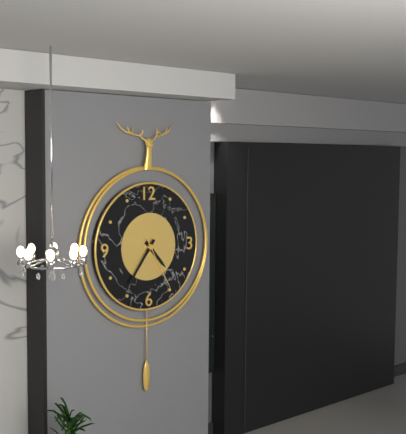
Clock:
4:36:25
